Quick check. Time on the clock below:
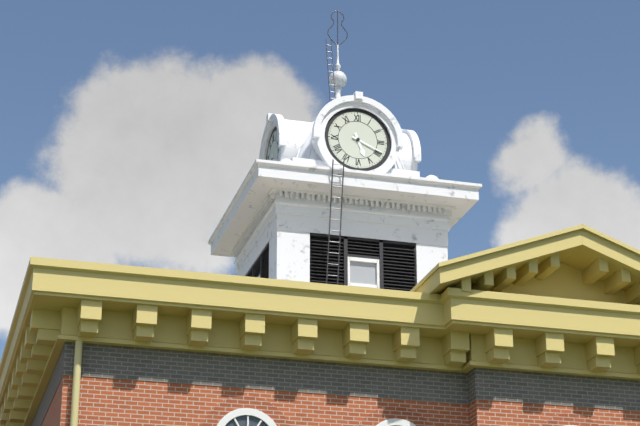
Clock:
5:19
